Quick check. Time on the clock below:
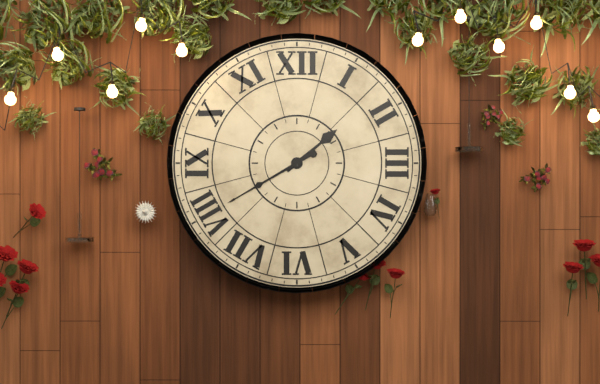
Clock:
1:40
